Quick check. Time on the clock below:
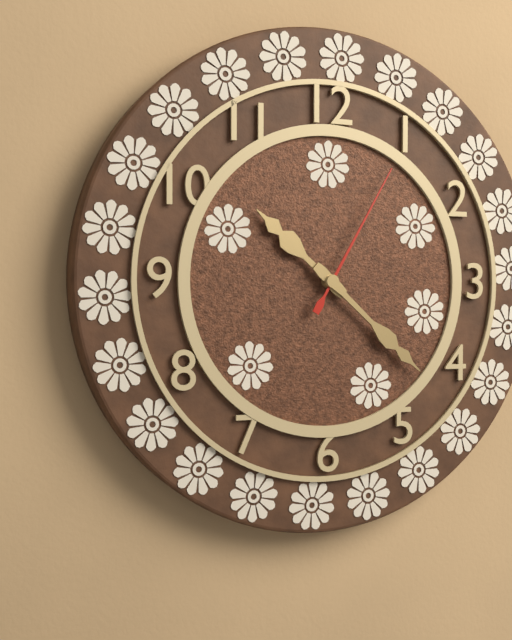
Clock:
10:22:05
